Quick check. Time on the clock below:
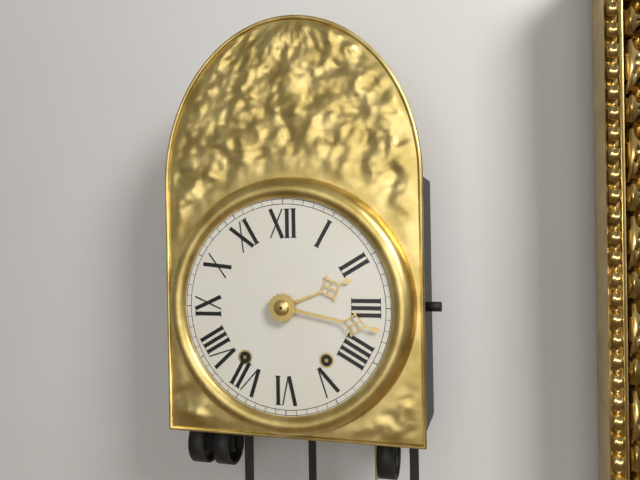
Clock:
2:17
